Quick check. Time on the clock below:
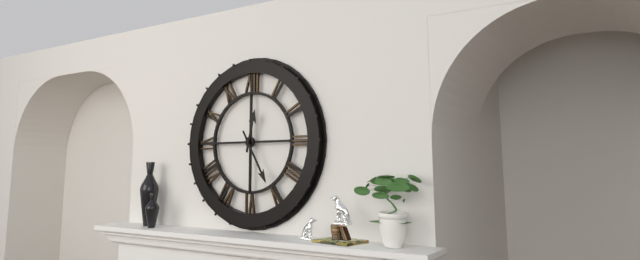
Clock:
12:25
